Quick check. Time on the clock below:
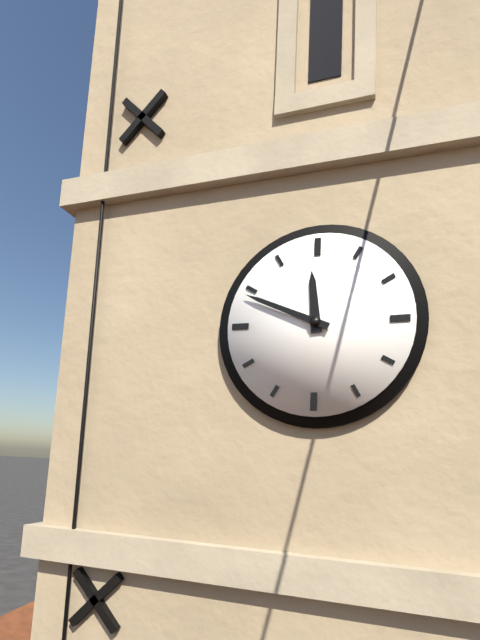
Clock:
11:49
